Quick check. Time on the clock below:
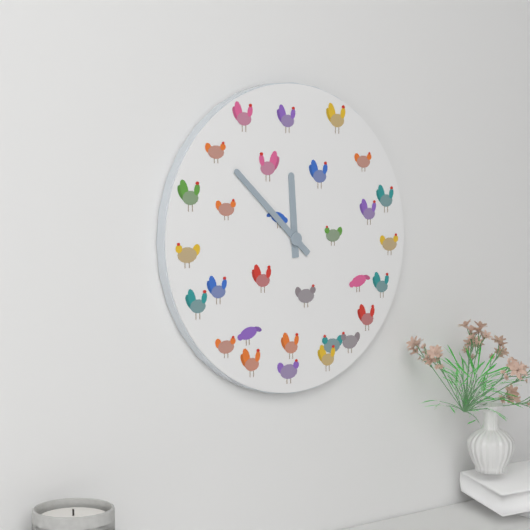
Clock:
11:52
